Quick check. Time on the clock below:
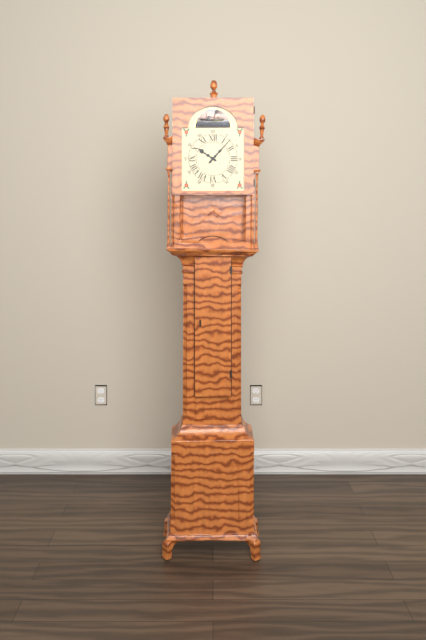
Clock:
10:07
